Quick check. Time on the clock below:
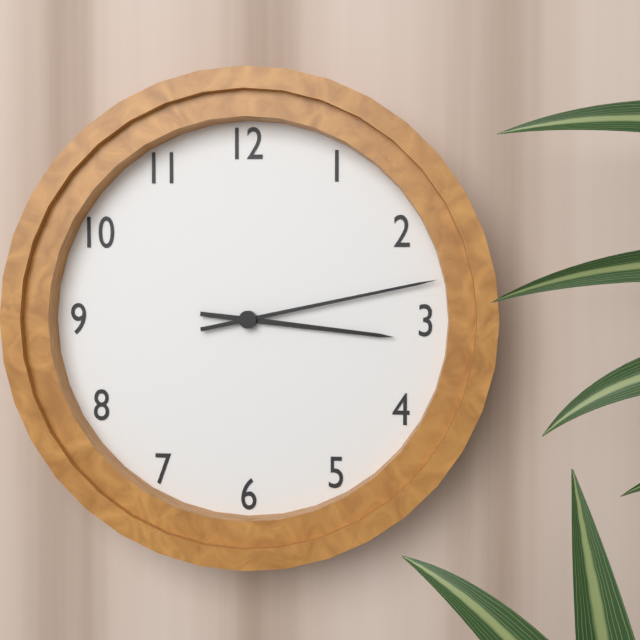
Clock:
3:13
